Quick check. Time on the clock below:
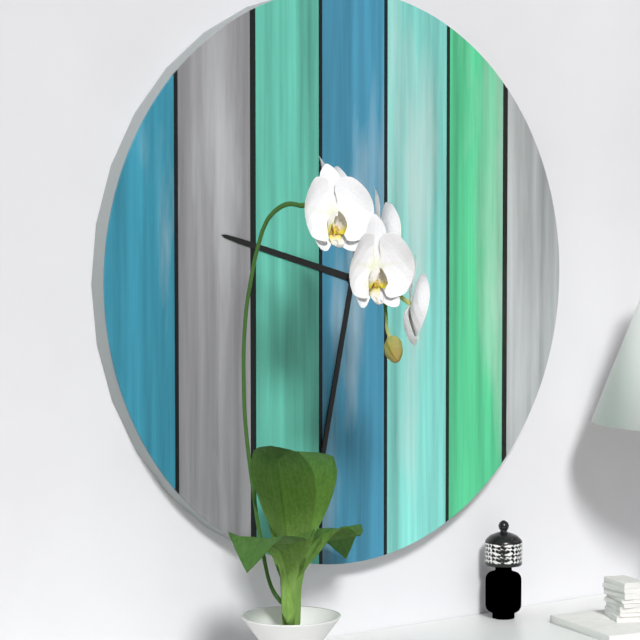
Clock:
9:32
